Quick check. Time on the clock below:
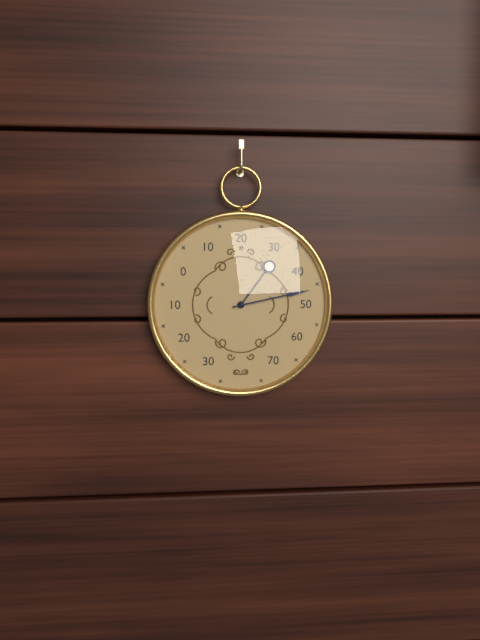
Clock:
1:13
